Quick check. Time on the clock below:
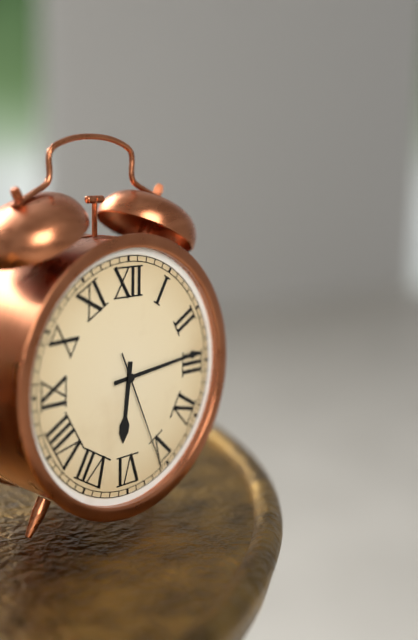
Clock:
6:14:26
